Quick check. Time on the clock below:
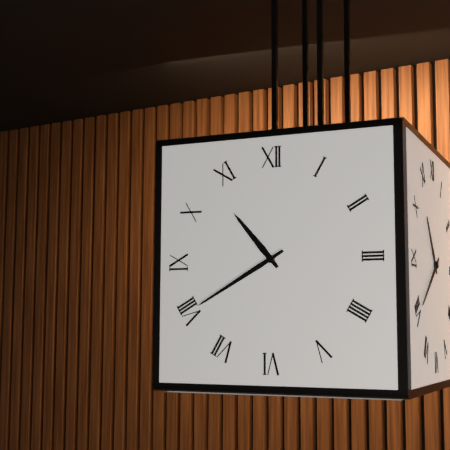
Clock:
10:40
